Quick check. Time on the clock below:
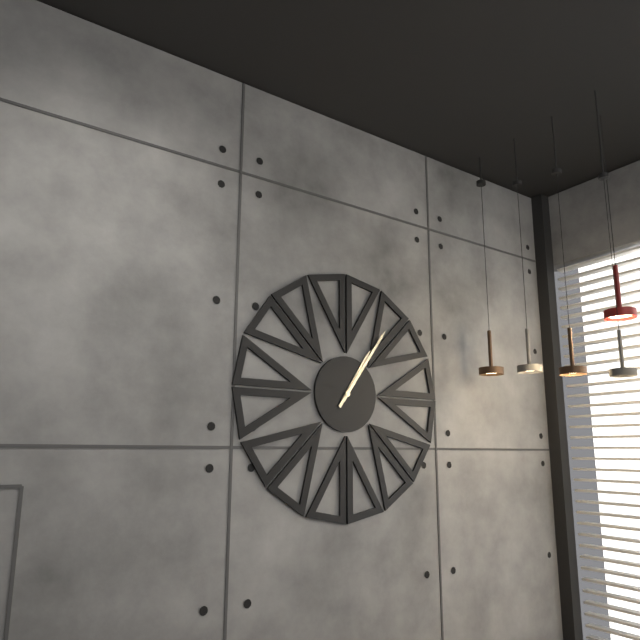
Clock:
1:06
